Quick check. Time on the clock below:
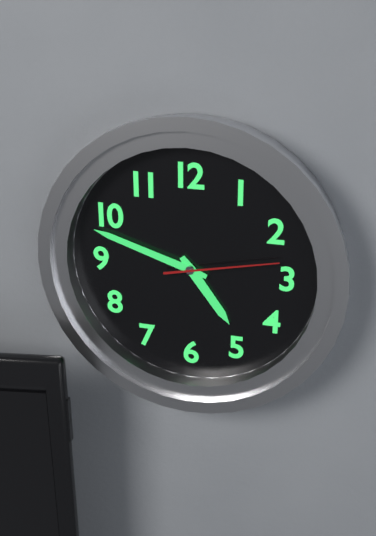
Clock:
4:48:13
